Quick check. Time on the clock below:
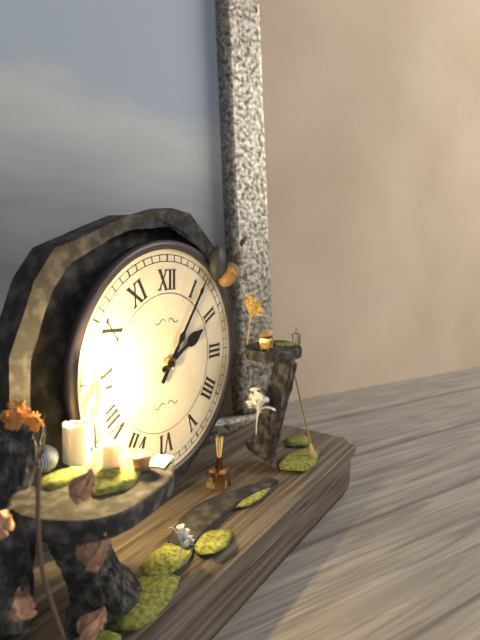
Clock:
2:06
